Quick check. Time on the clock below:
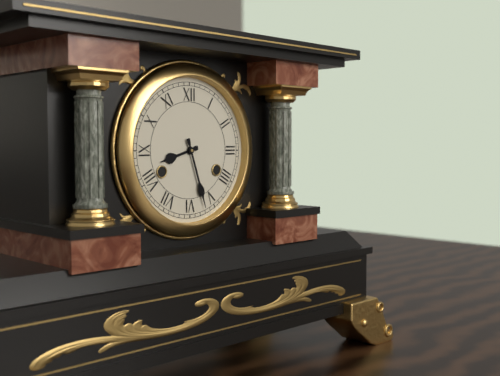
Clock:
8:27
